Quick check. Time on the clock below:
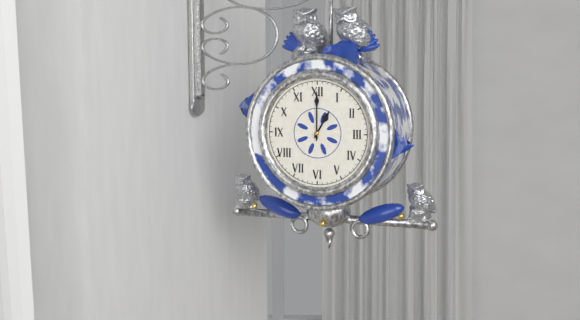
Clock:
1:00
